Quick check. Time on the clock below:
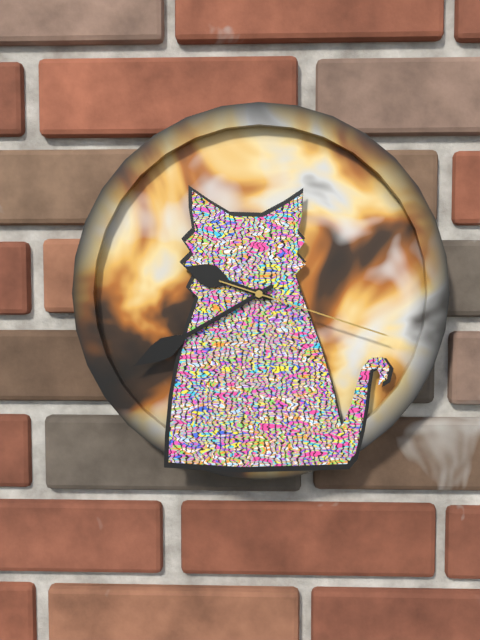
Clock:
9:40:18
